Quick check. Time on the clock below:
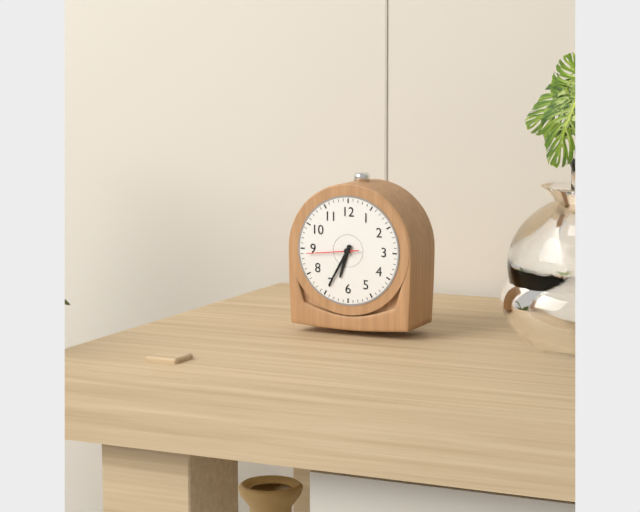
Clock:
6:35:44
